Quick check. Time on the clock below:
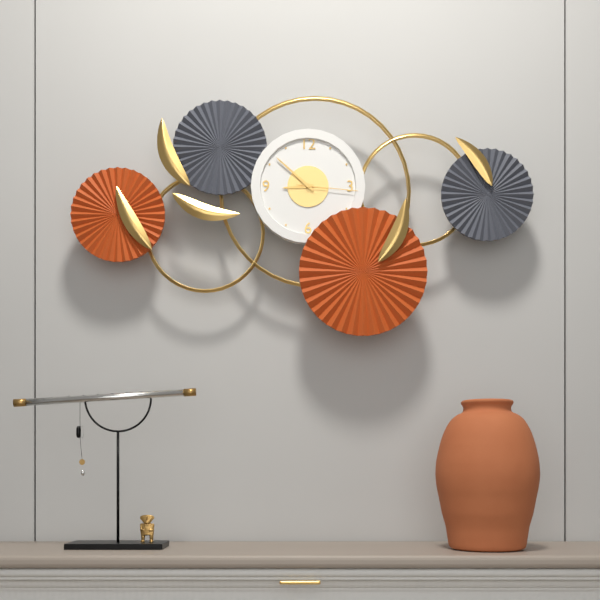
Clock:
8:52:16
